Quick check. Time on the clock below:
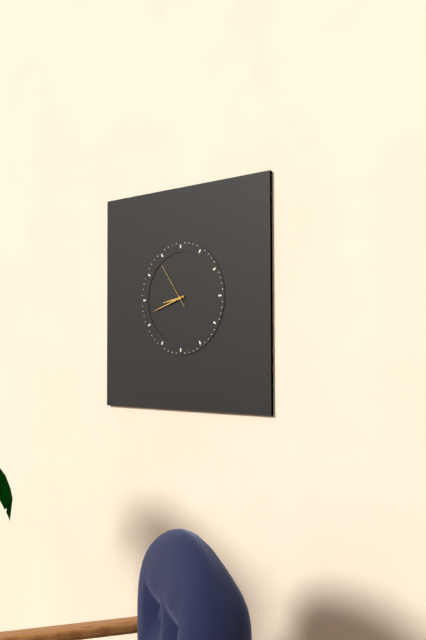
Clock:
8:42
